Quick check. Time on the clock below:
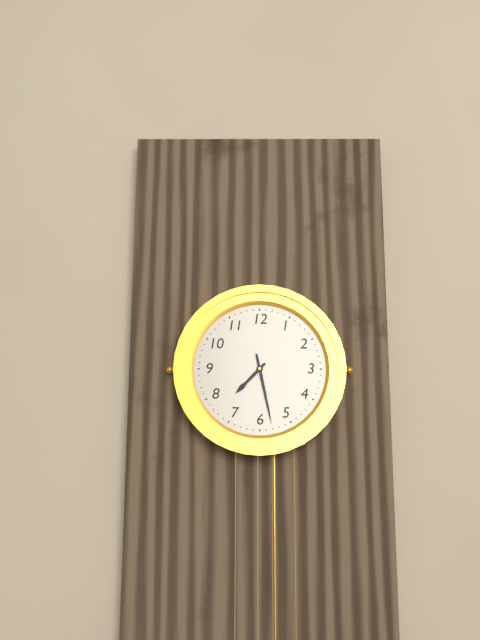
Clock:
7:28
